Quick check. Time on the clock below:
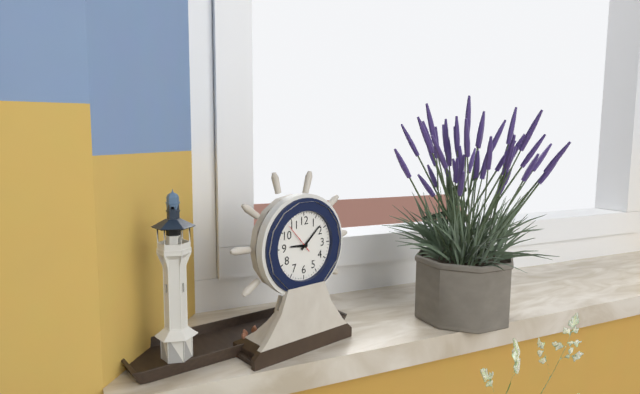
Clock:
9:08
